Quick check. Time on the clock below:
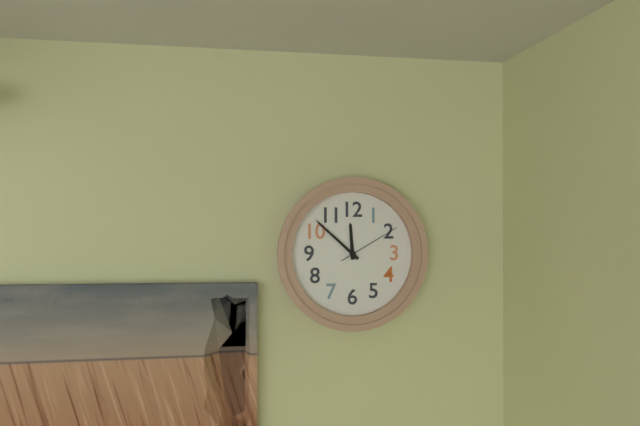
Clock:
11:52:10
